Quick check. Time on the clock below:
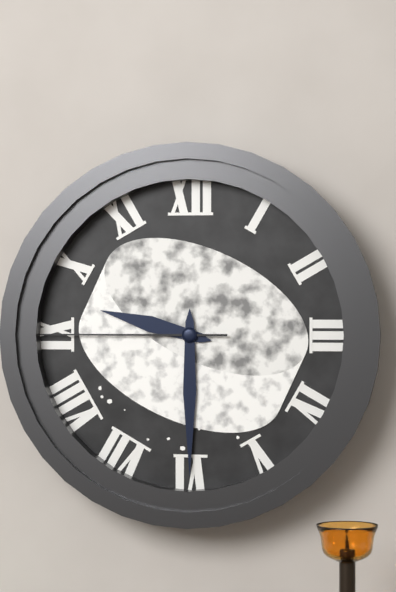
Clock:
9:30:45
